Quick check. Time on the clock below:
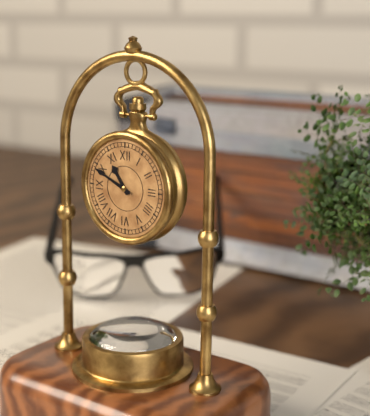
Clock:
10:49
